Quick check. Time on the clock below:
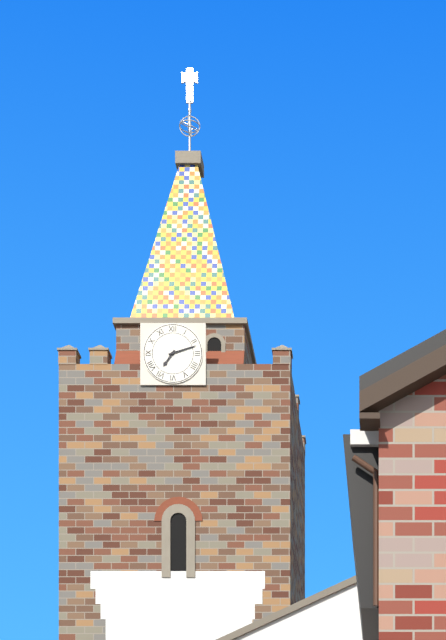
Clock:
7:12
